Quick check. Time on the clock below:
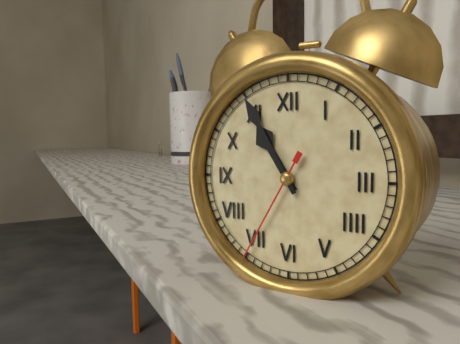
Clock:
10:55:35
